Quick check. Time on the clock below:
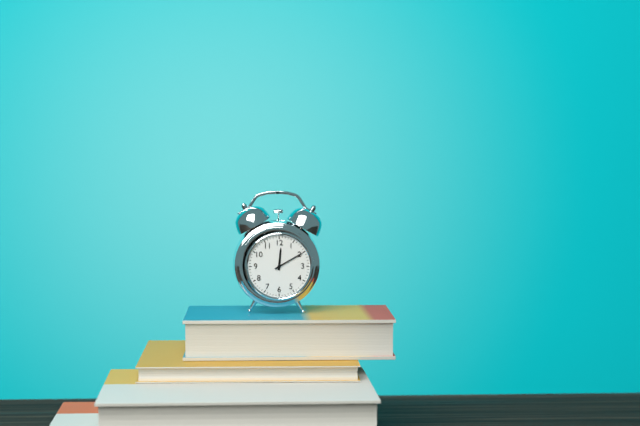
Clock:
12:10
